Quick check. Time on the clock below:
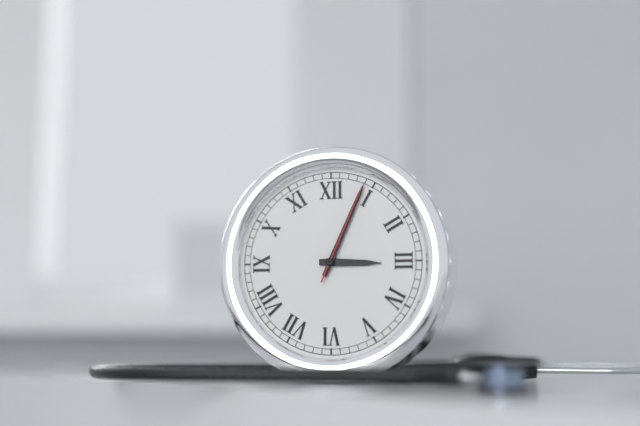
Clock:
3:04:04
